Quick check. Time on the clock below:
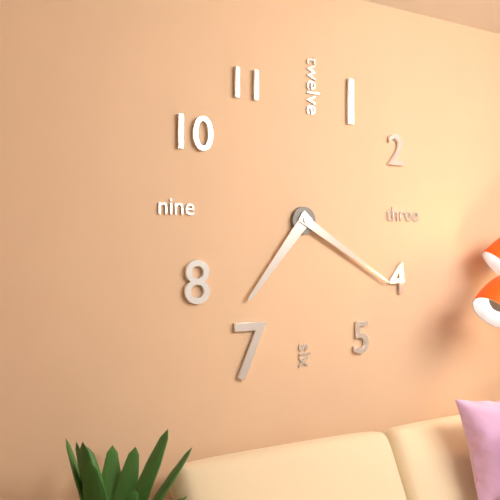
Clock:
7:20
